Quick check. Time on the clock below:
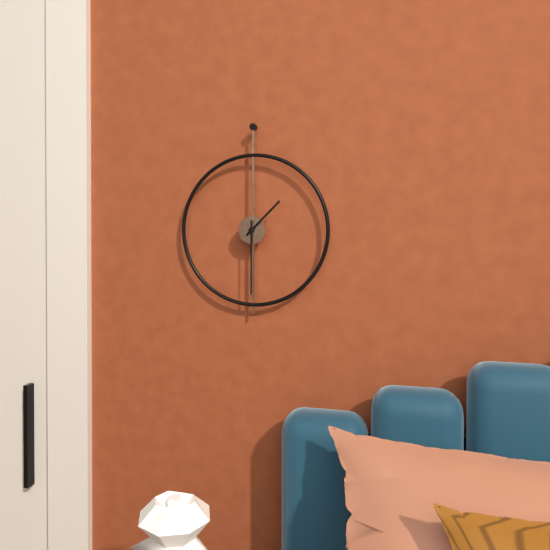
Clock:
1:30
